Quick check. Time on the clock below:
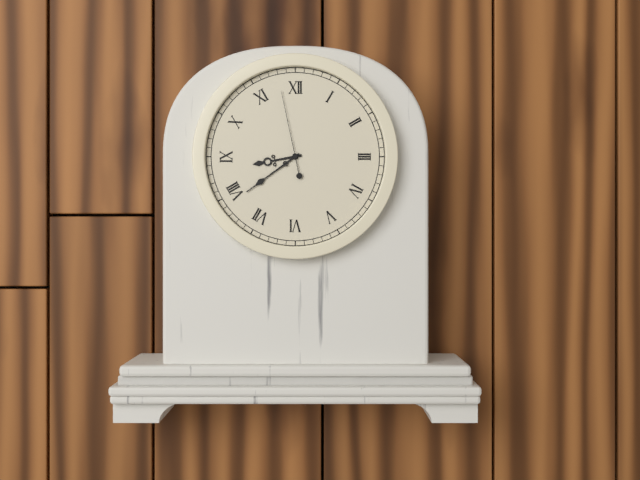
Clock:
8:39:58
